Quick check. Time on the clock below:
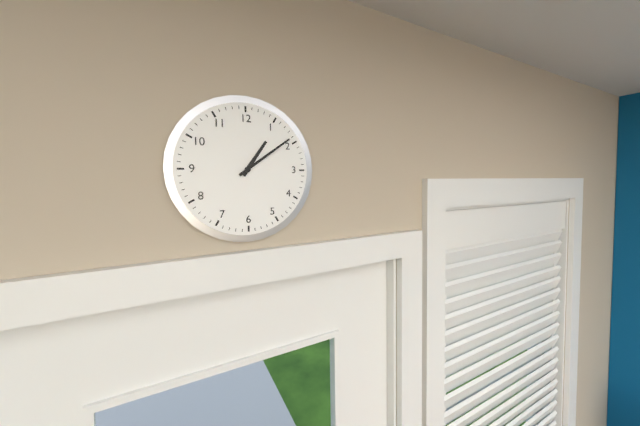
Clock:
1:09
